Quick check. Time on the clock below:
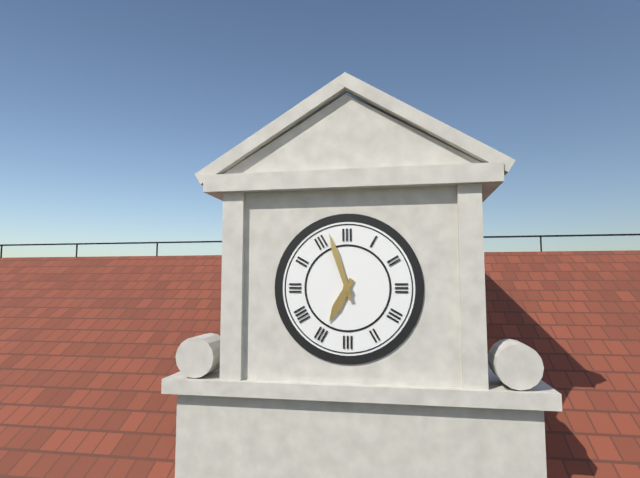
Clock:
6:57
